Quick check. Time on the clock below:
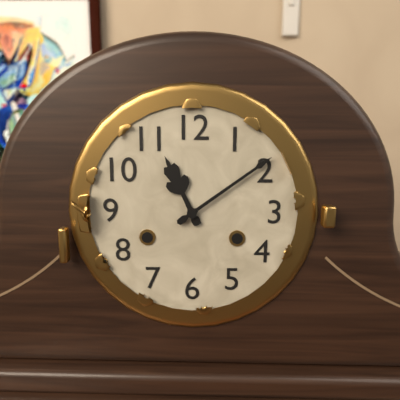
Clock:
11:09
